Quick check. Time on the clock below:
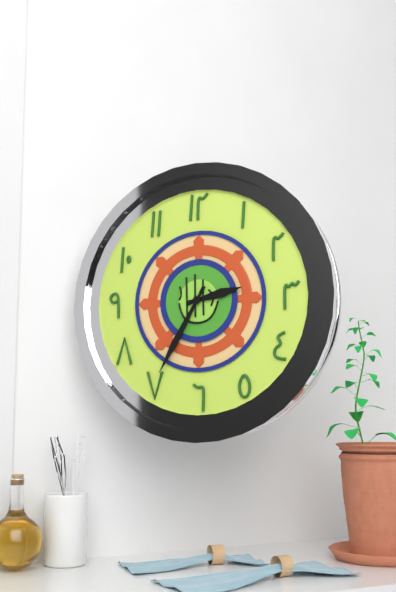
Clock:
2:35
